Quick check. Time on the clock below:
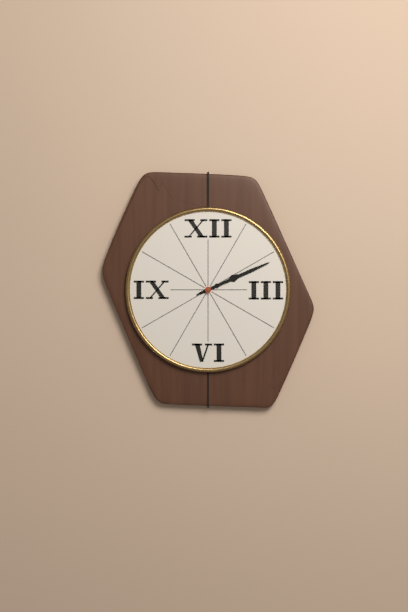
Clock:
2:11
